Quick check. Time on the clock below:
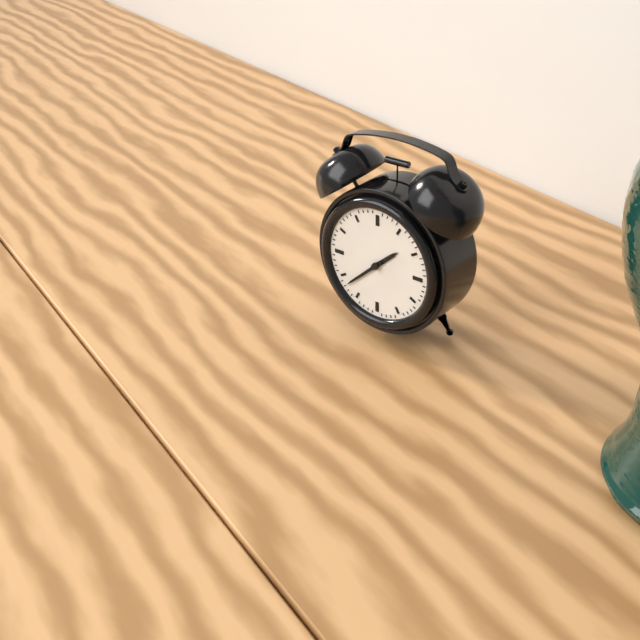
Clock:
1:38
